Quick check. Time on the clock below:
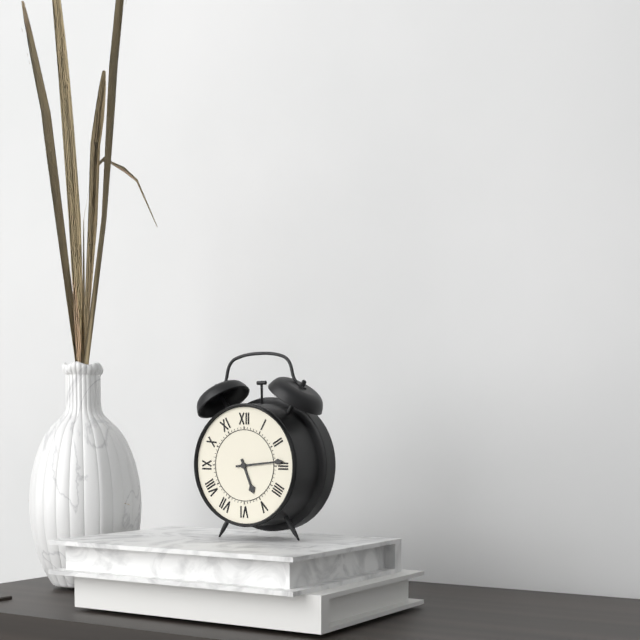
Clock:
5:14
